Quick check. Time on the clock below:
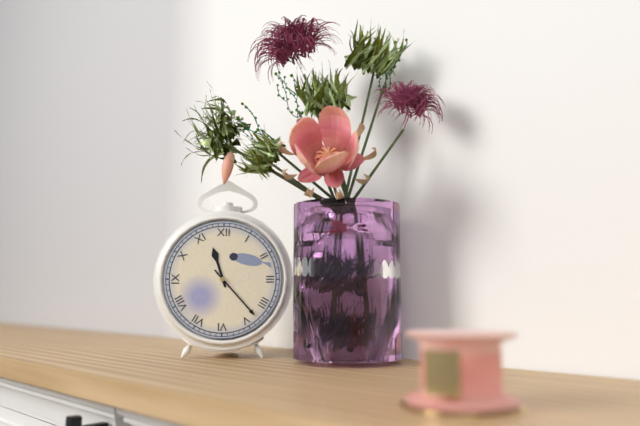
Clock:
11:23
